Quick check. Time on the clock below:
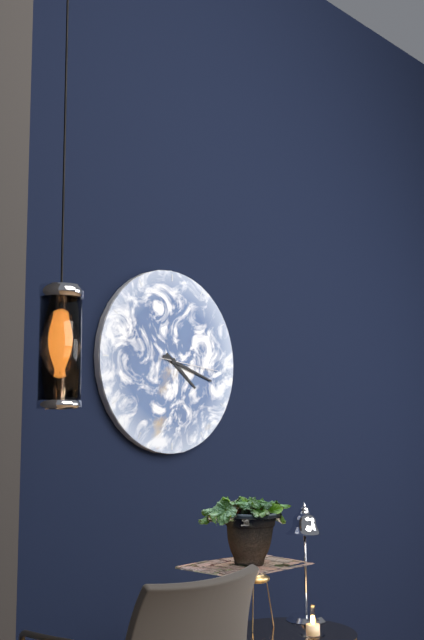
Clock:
4:18:16
